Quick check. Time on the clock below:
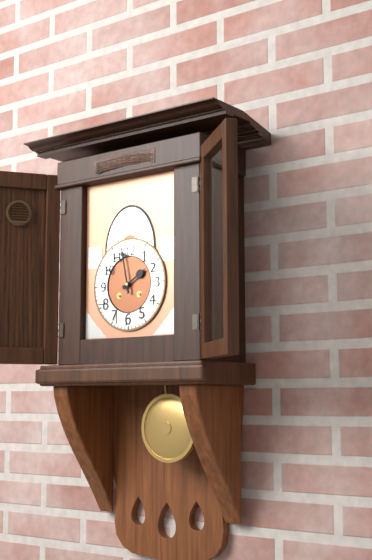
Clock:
1:58
